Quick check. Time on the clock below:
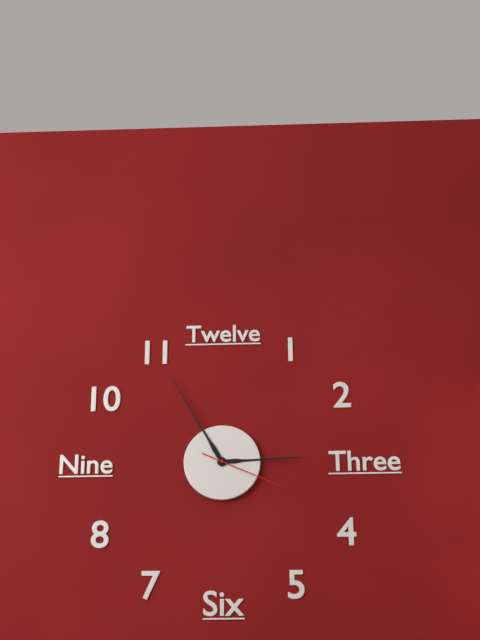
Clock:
2:55:19
